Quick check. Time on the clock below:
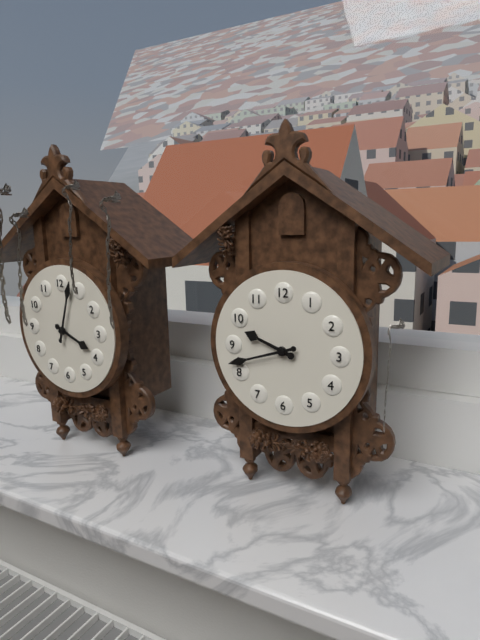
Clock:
9:42
